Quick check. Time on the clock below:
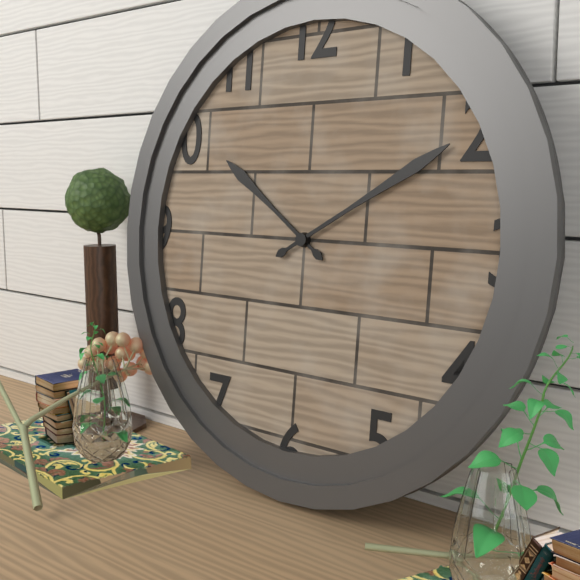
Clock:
10:10
